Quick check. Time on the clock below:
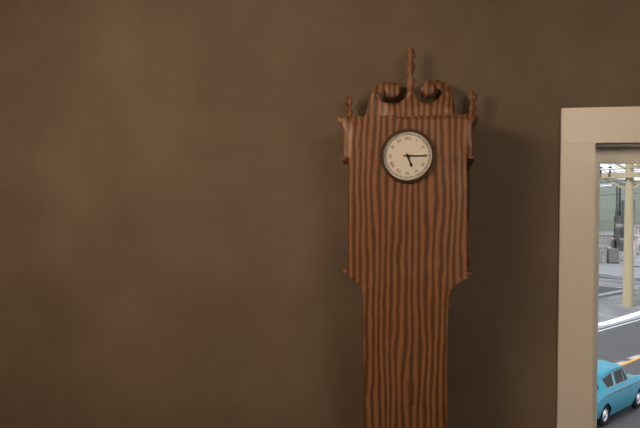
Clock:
5:15
